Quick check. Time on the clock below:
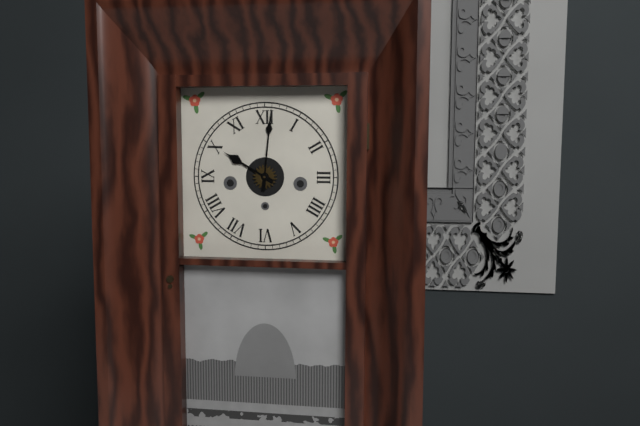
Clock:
10:01
